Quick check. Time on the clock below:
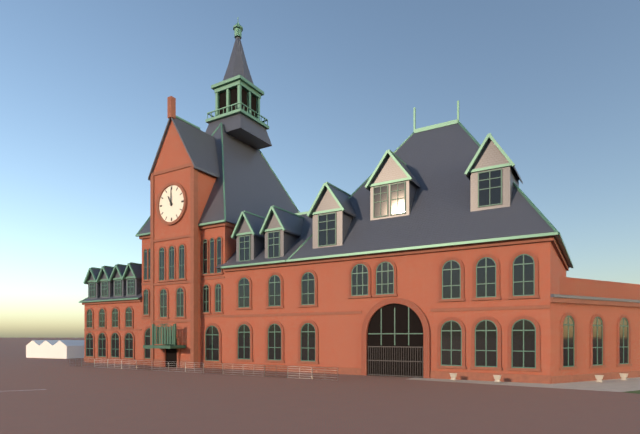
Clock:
11:00
